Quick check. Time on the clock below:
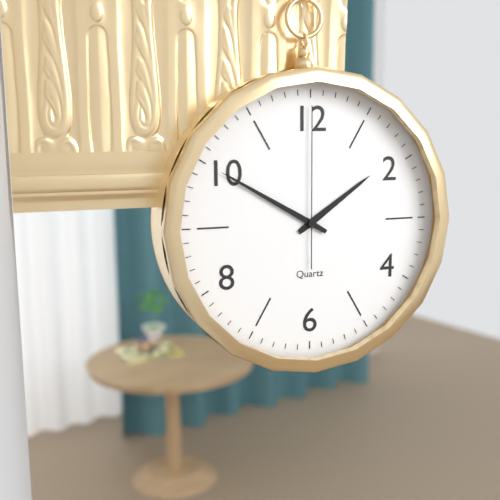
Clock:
1:50:00
